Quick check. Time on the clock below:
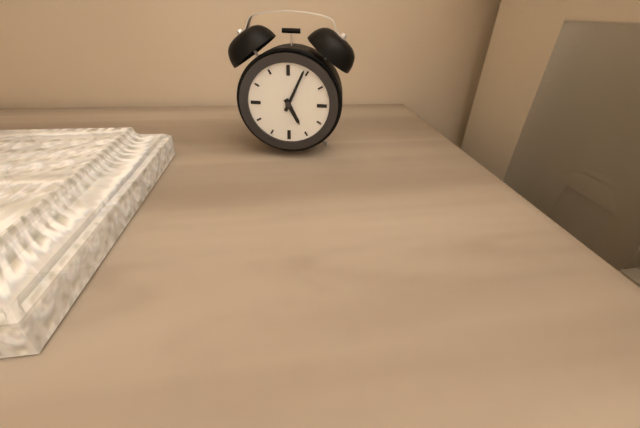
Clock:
5:04
